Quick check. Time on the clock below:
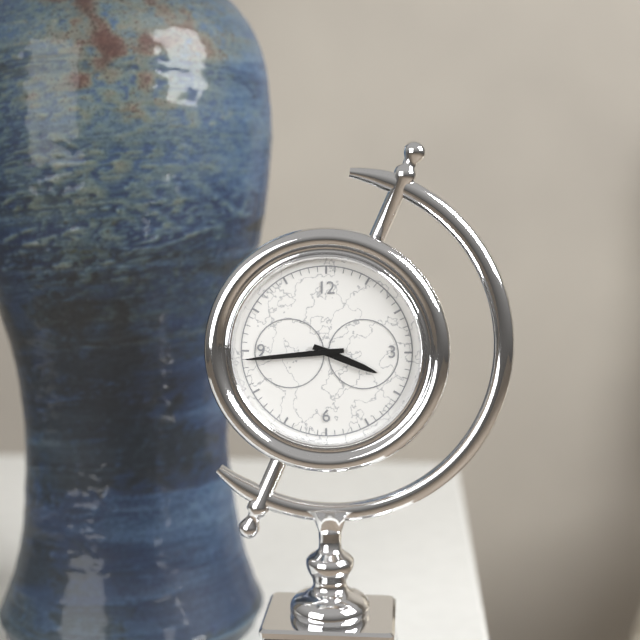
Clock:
3:44
